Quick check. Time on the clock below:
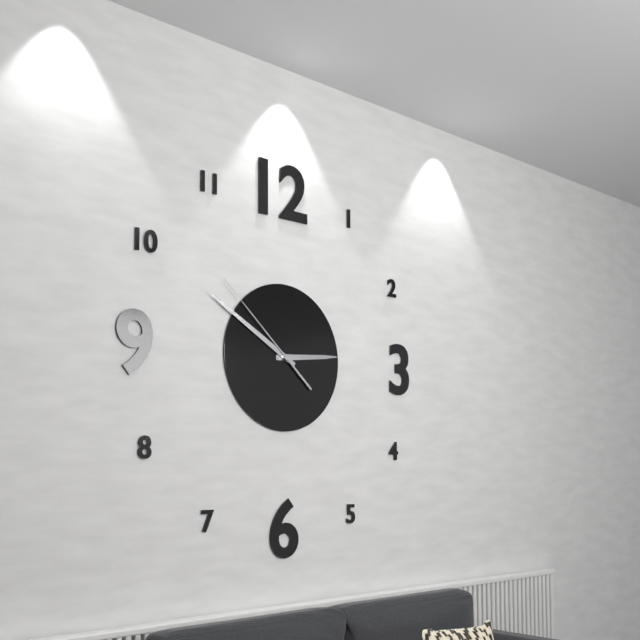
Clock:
2:50:52
